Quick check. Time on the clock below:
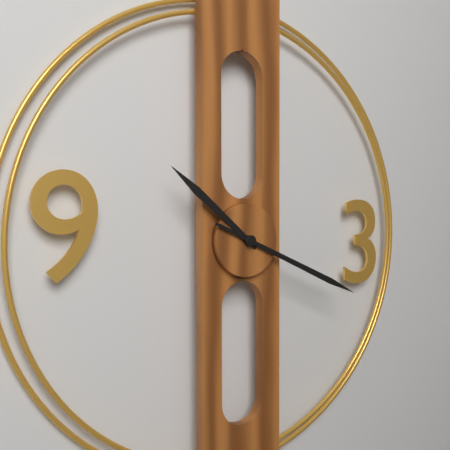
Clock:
10:19
